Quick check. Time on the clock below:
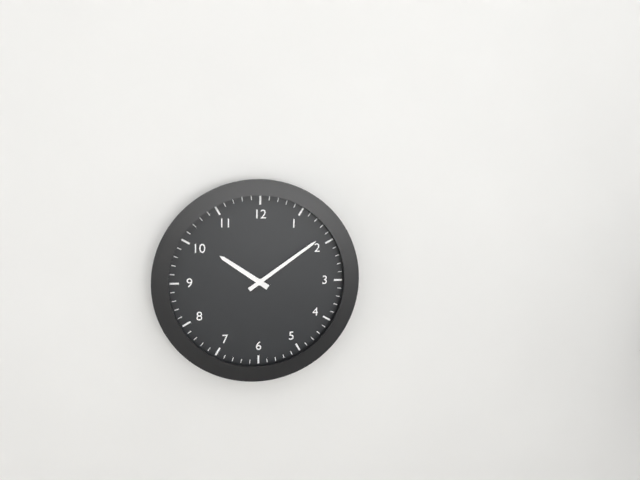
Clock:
10:09
